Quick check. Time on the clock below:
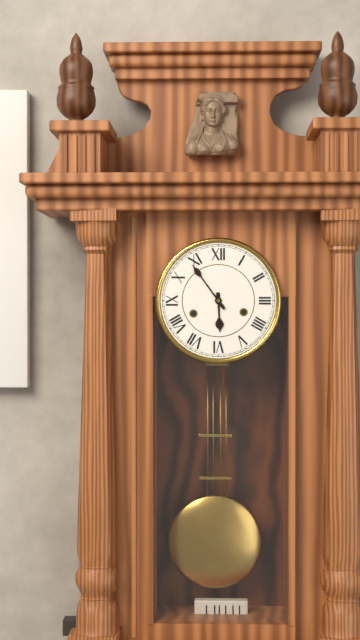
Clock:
5:54
